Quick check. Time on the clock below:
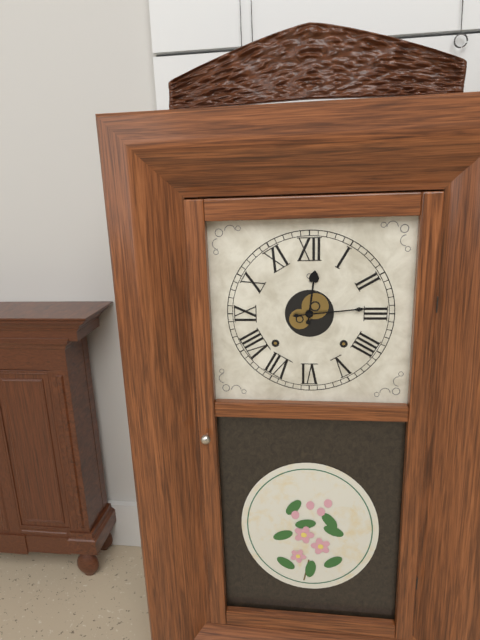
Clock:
12:14
